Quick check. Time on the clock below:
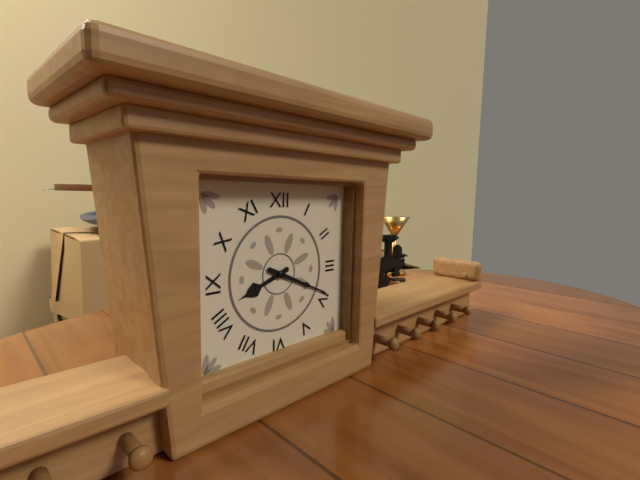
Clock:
8:19
